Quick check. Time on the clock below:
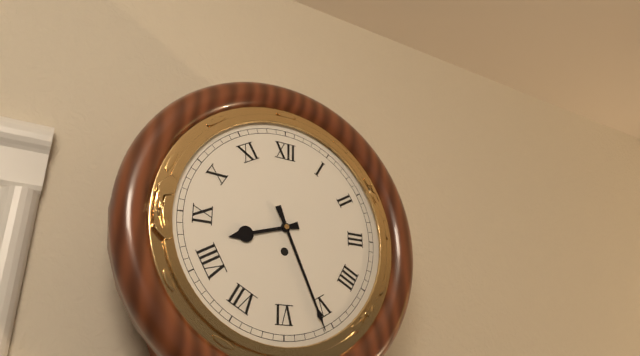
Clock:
8:26
